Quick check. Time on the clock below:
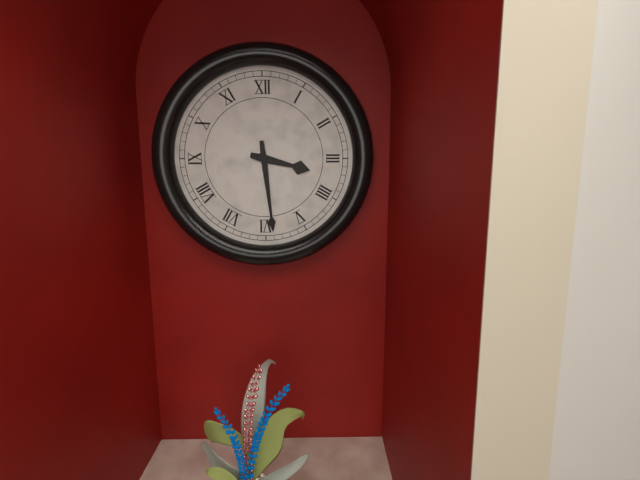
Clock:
3:29
